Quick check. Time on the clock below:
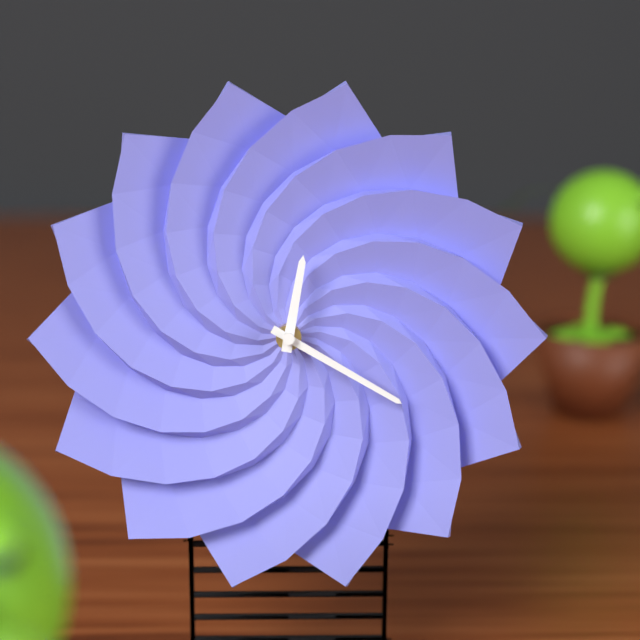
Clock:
12:20
